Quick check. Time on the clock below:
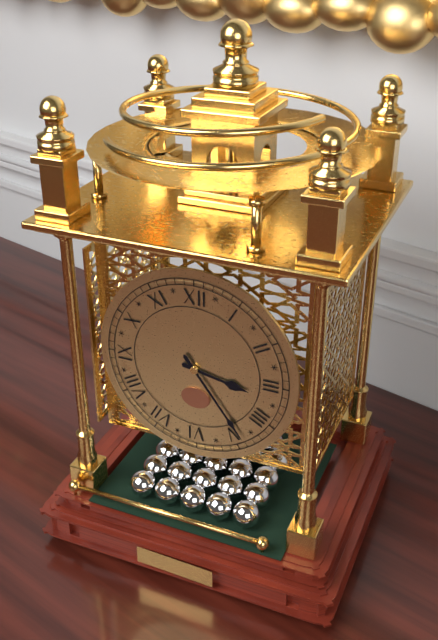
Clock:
3:24
